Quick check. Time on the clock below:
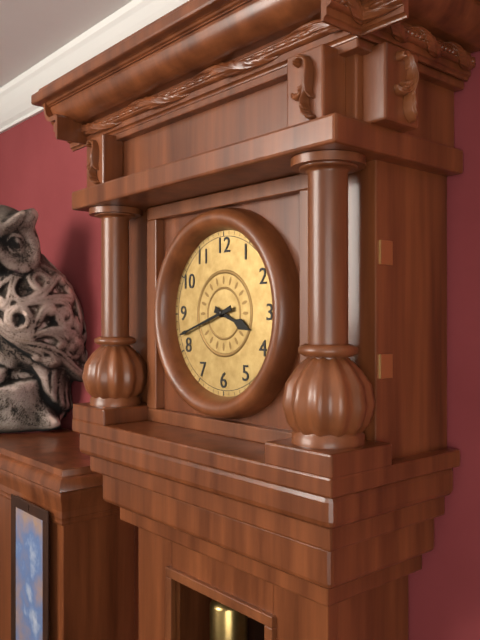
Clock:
3:42
